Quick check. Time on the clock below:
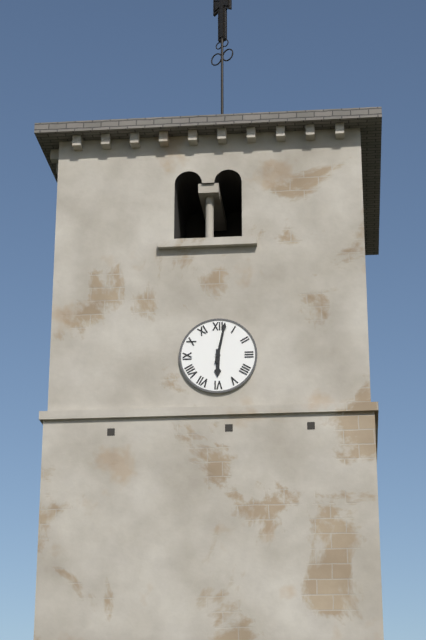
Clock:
6:02
